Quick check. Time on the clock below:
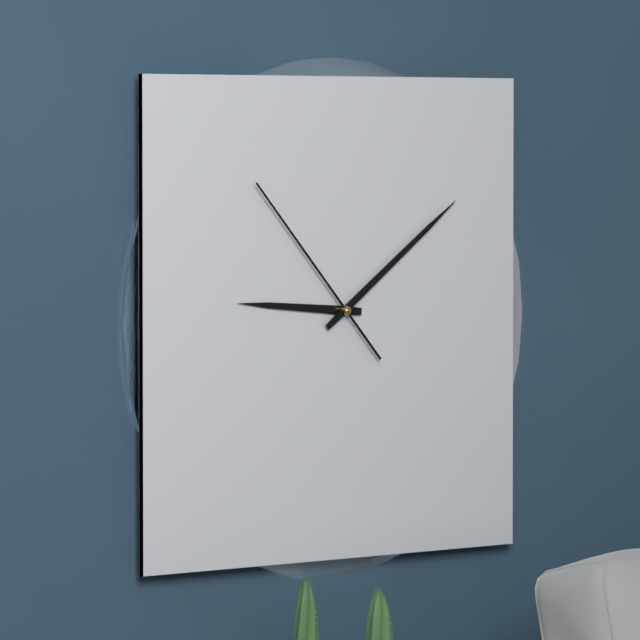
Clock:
9:09:53
